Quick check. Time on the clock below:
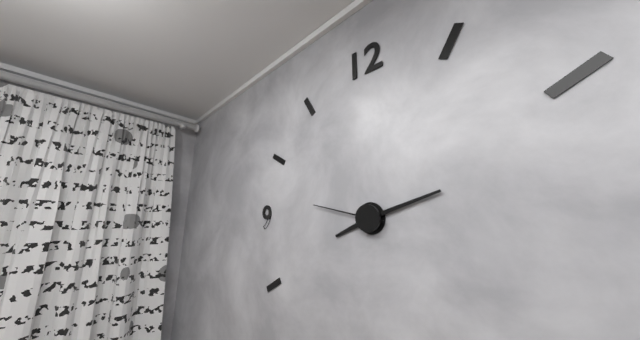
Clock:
8:12:47
